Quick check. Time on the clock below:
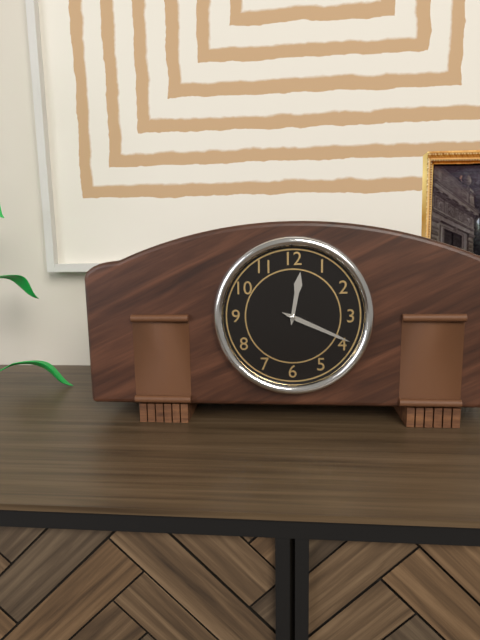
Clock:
12:19
